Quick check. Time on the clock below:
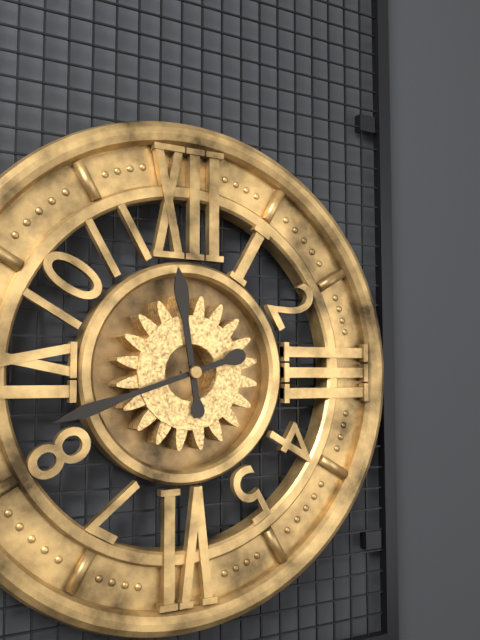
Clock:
11:42
